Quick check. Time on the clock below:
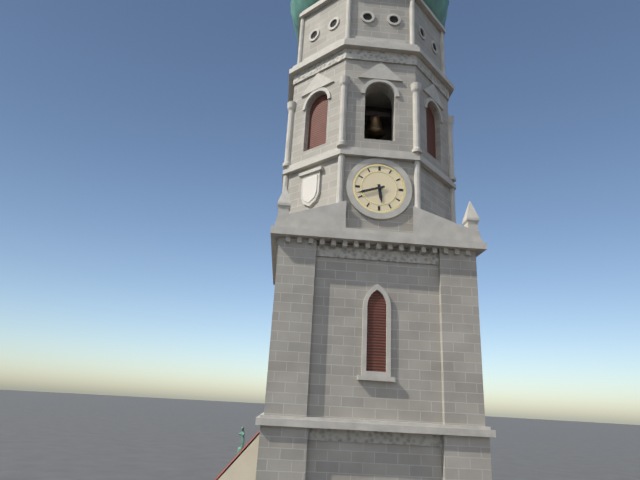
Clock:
5:42
